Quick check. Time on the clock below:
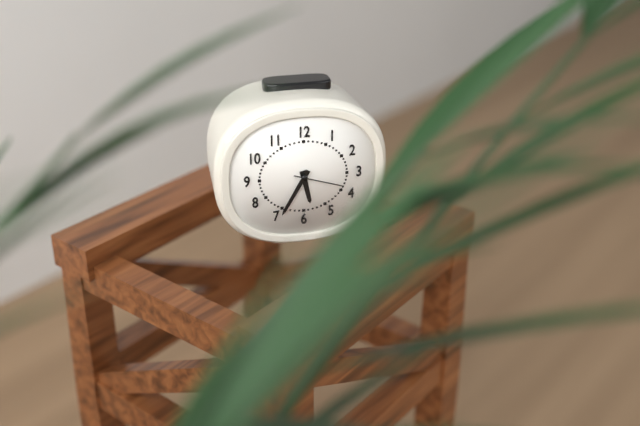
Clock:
5:35:18
